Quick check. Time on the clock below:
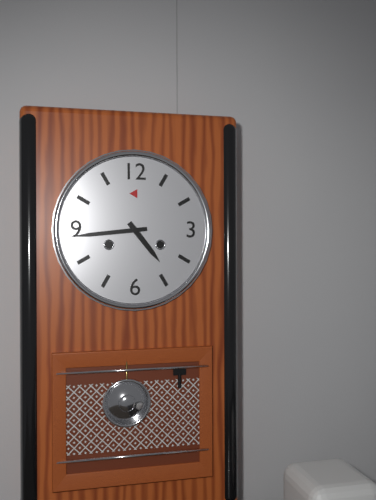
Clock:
4:44
